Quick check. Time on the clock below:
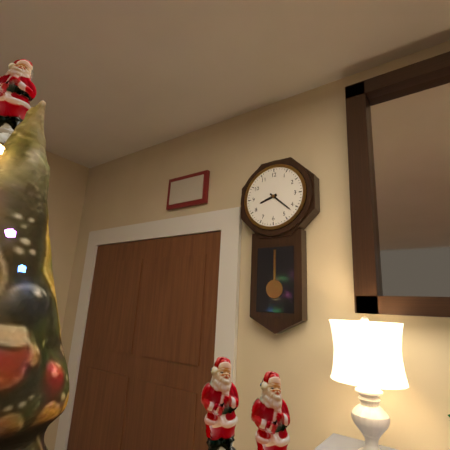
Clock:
8:22
